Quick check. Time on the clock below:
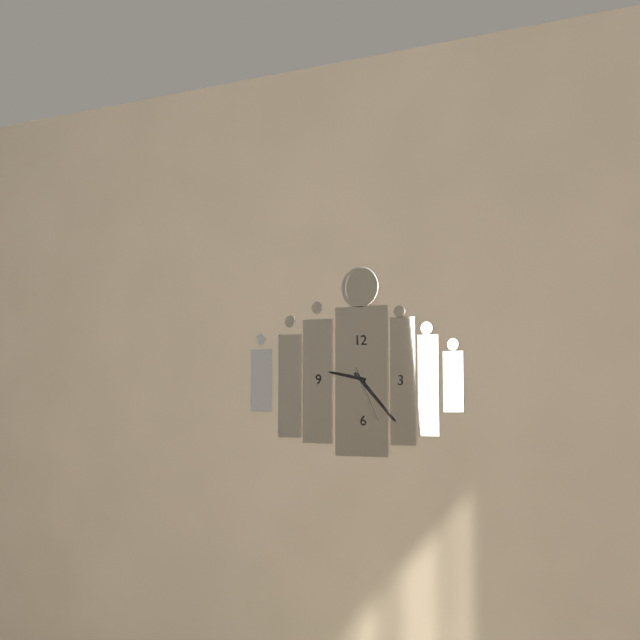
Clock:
9:23:26
